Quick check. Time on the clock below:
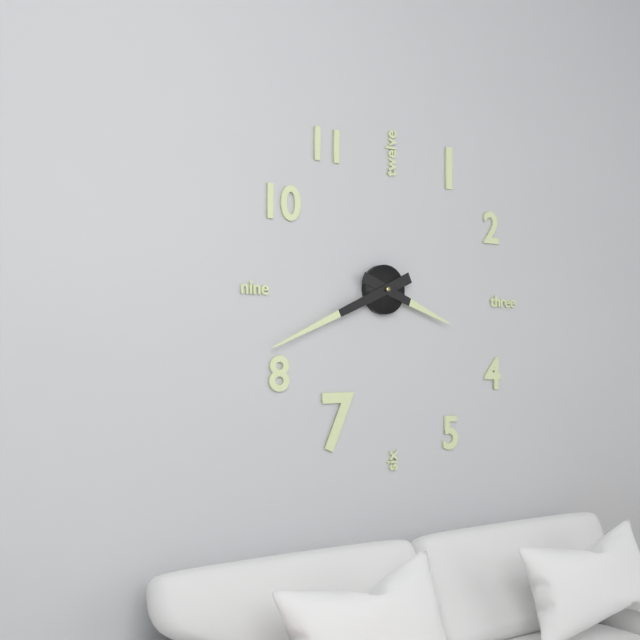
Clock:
3:41
